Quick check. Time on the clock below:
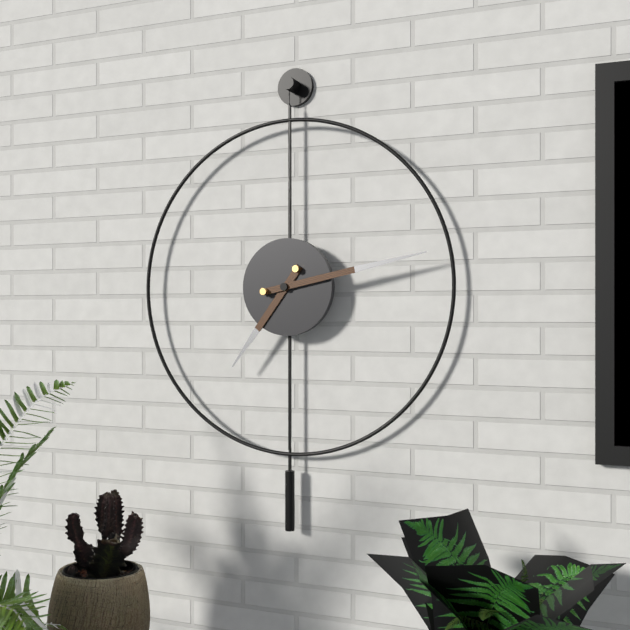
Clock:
7:13
